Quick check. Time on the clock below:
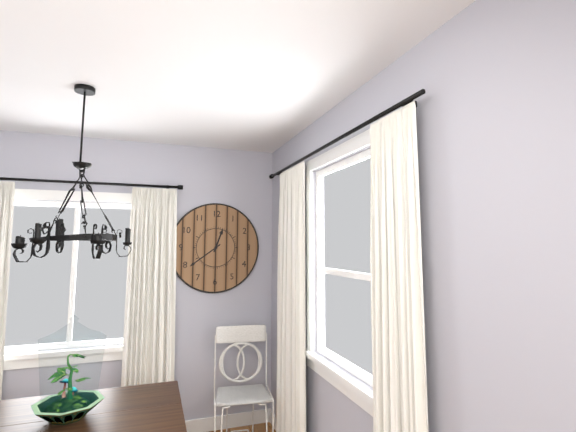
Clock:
12:39
